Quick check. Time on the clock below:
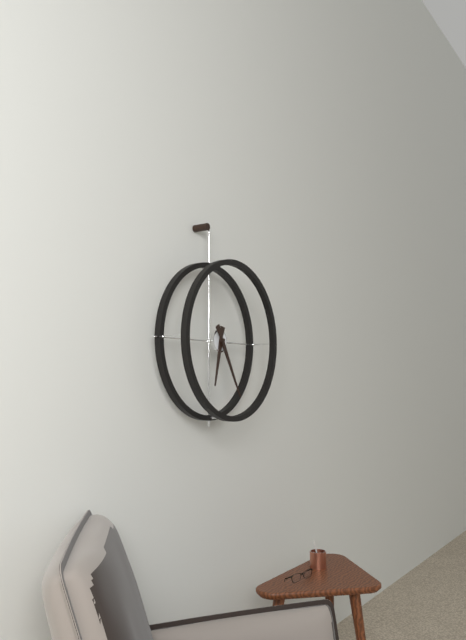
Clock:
6:25
